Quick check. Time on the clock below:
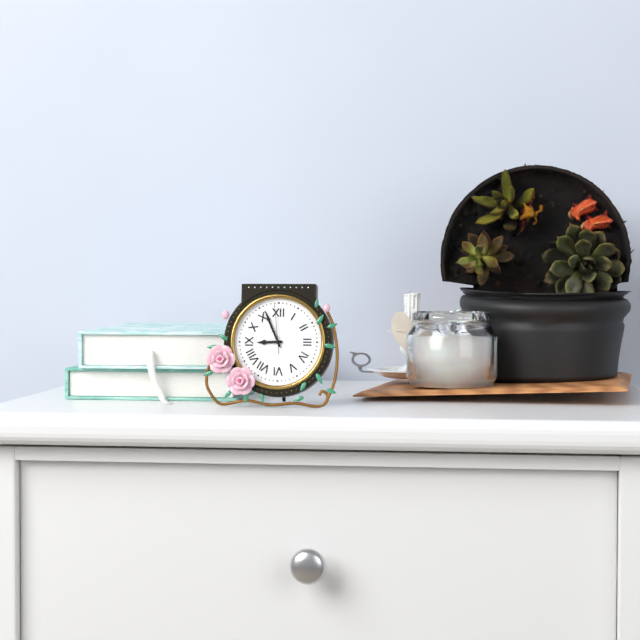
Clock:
8:56
